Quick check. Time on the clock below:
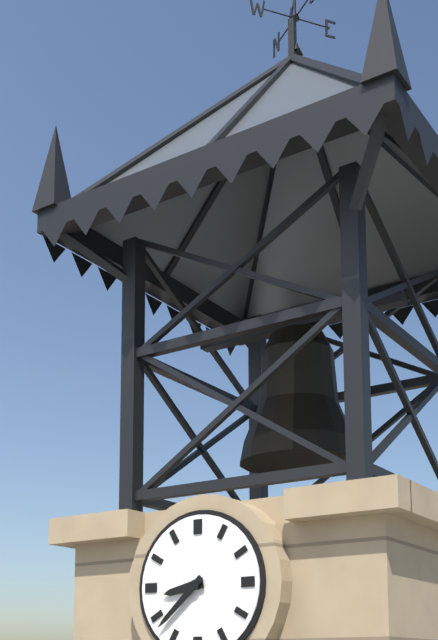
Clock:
8:38
